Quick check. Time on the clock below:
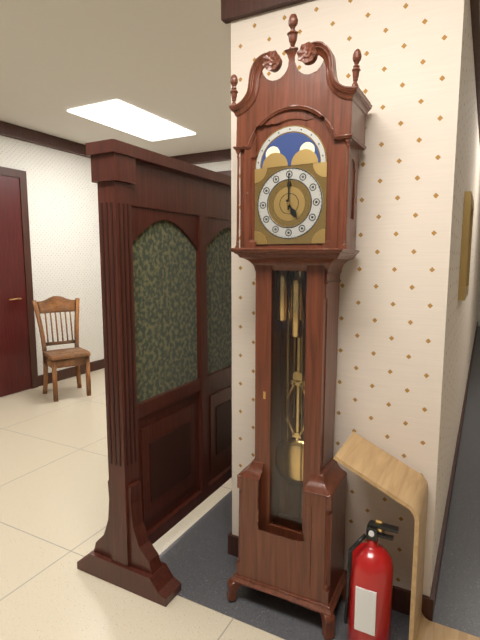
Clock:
5:00
